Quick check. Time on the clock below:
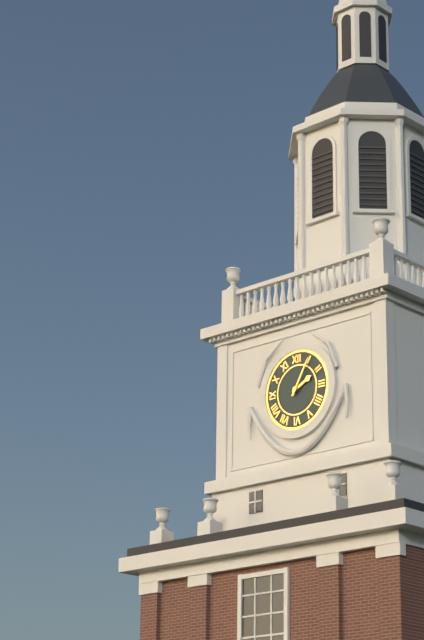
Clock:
2:05
